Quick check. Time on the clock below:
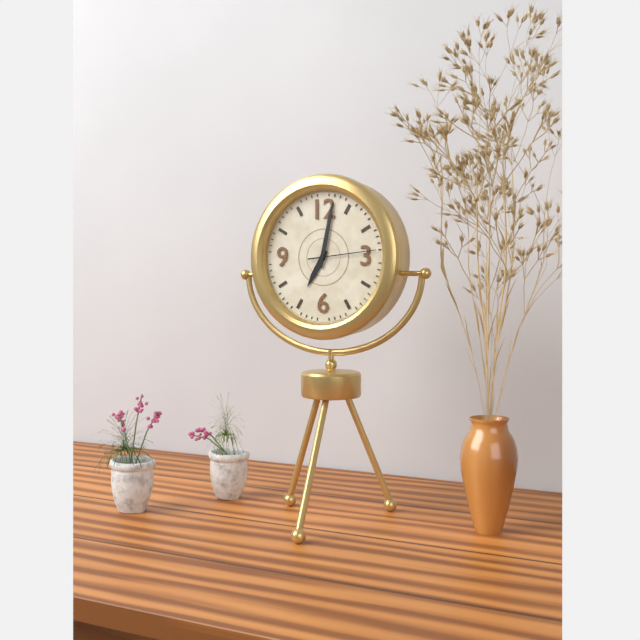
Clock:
7:02:14
